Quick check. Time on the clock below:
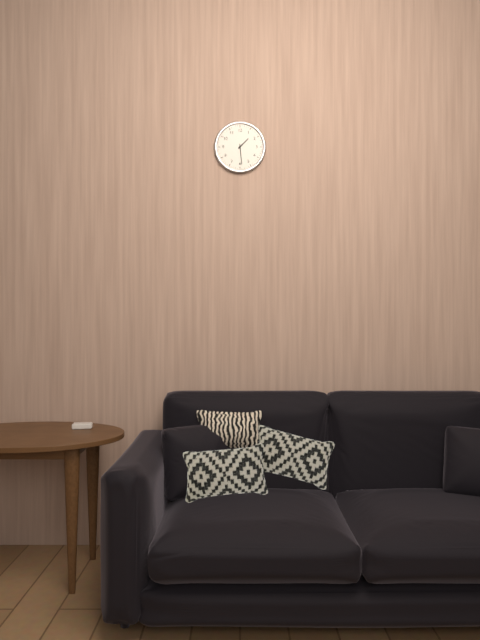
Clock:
1:29
